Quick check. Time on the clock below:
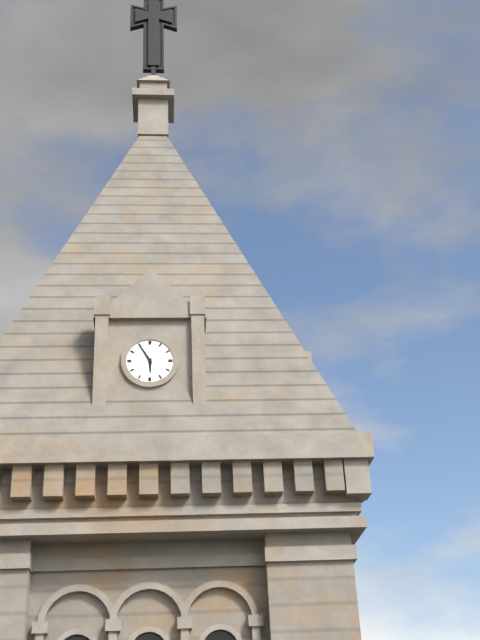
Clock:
5:55
